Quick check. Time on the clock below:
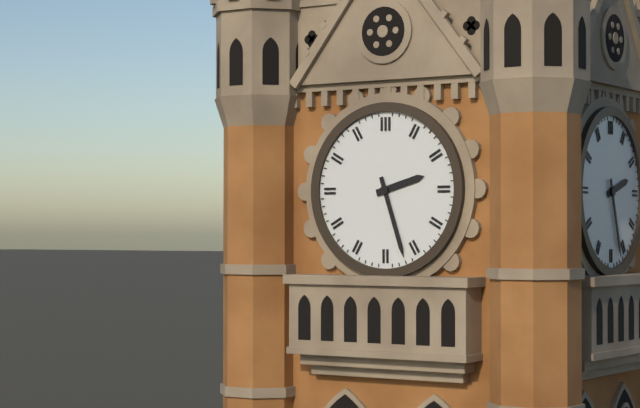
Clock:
2:27
